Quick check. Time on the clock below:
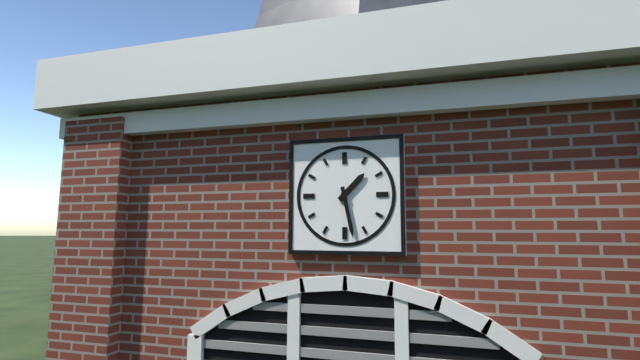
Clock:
1:28
